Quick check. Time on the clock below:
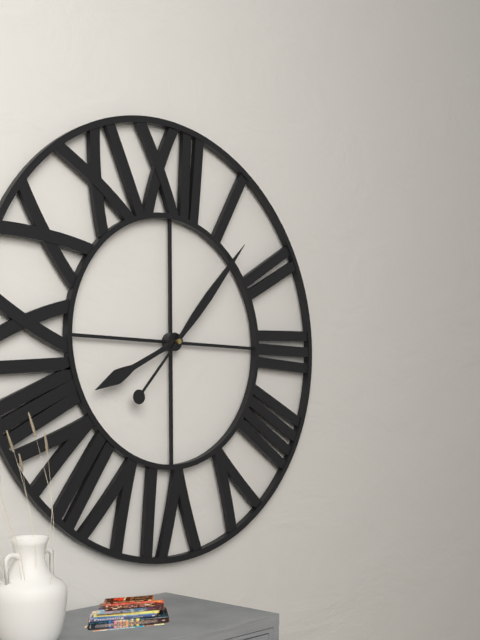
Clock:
8:07
